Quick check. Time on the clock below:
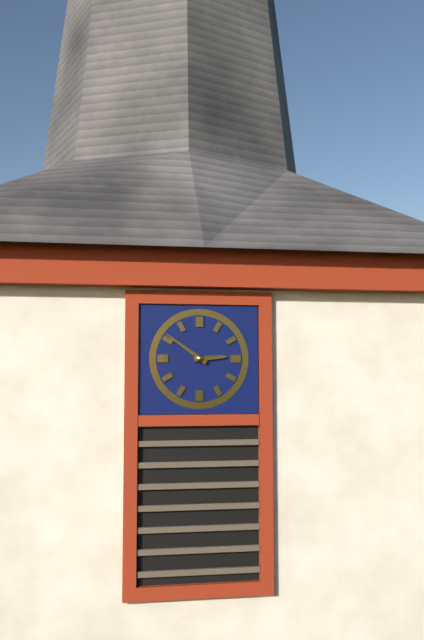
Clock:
2:51
